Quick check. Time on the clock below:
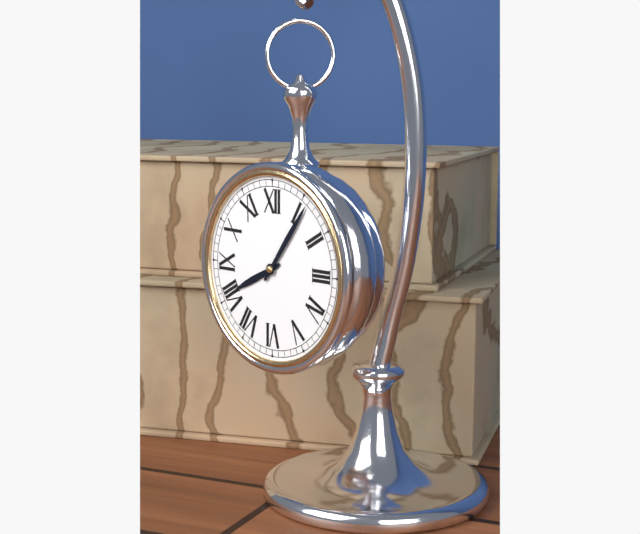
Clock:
8:06
